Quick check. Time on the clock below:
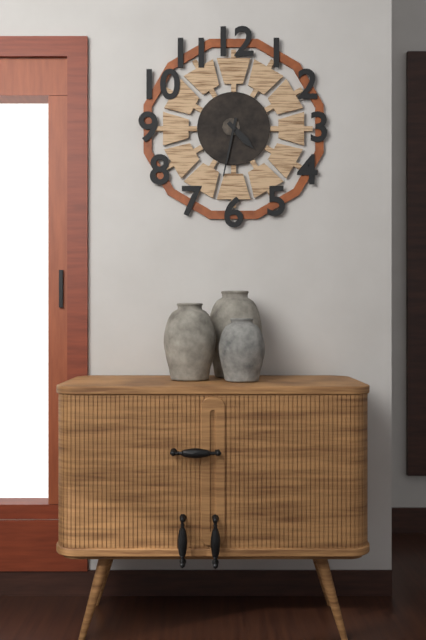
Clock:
4:32
